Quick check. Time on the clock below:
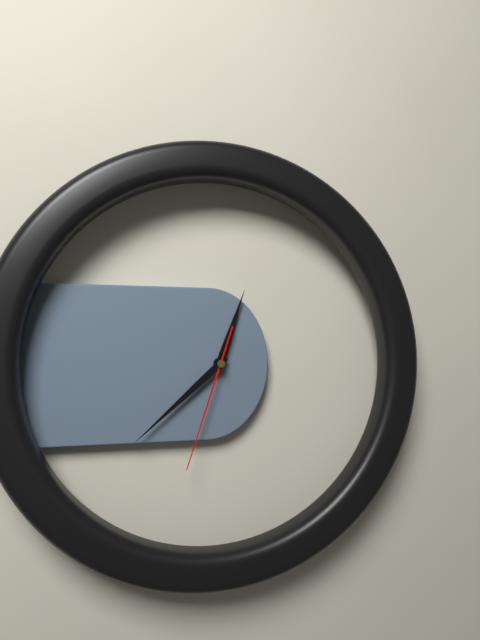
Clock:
12:38:33
